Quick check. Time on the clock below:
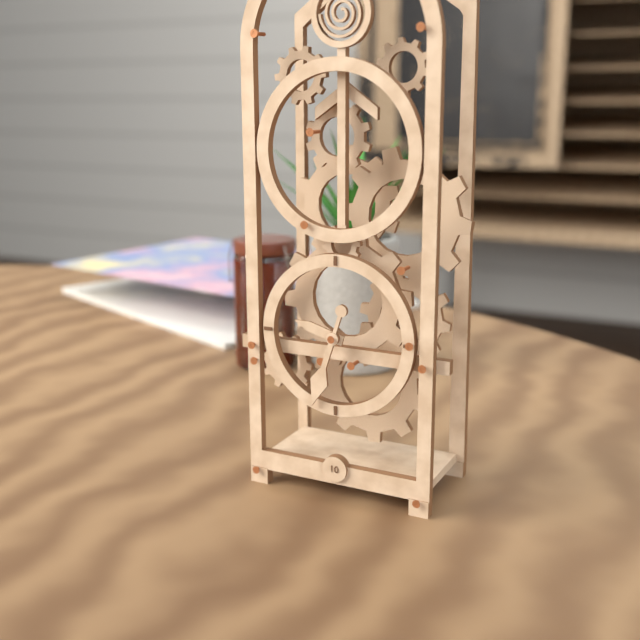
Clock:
9:33
